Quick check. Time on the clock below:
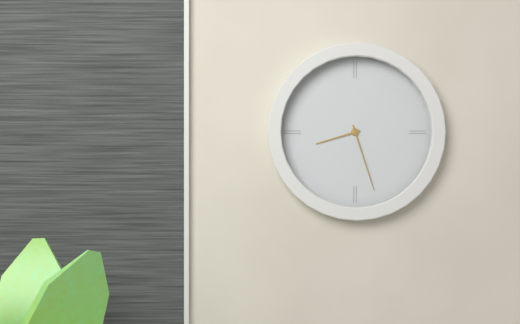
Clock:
8:27
